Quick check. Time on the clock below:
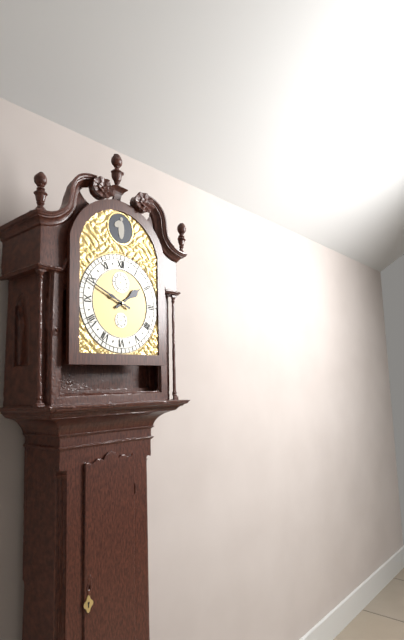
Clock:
1:49
